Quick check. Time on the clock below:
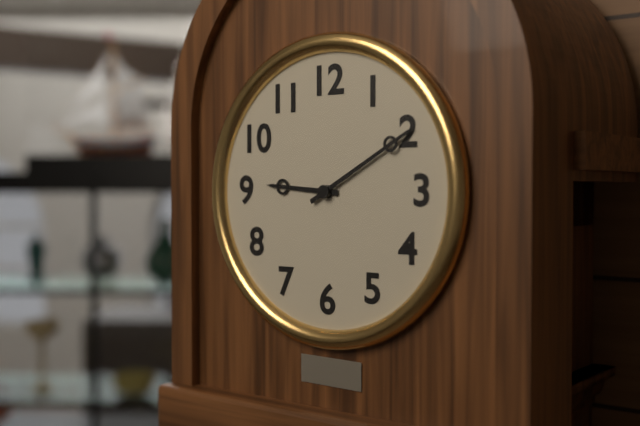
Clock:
9:10
